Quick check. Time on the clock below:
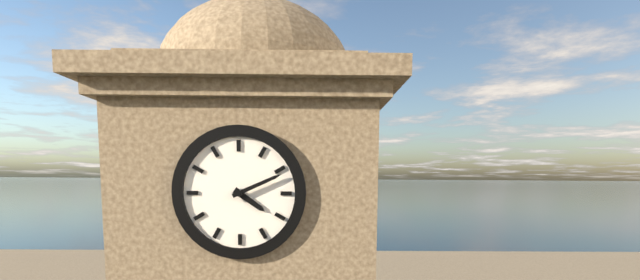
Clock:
4:11
